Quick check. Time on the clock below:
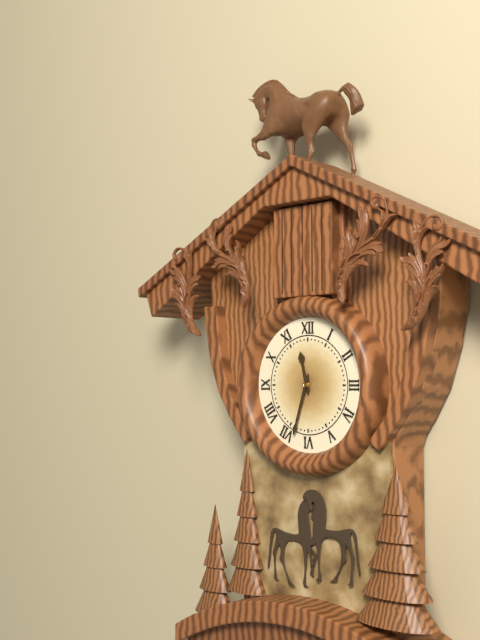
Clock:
11:33
